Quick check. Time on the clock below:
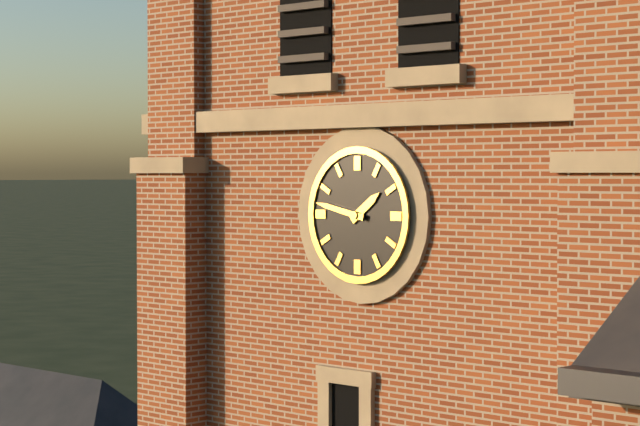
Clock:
1:47
